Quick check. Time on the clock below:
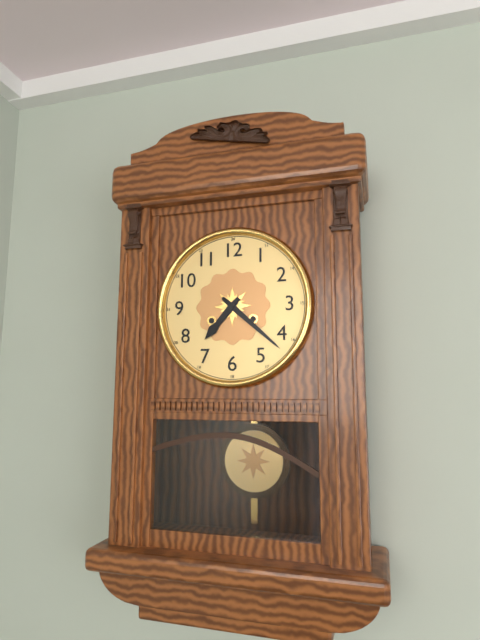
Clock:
7:22
